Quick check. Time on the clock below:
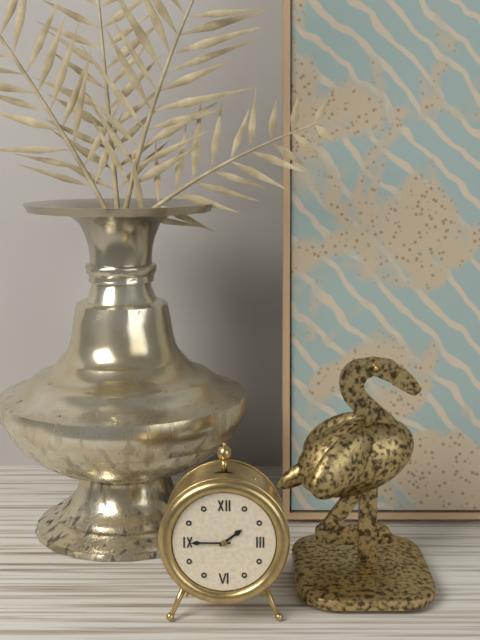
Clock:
1:45
